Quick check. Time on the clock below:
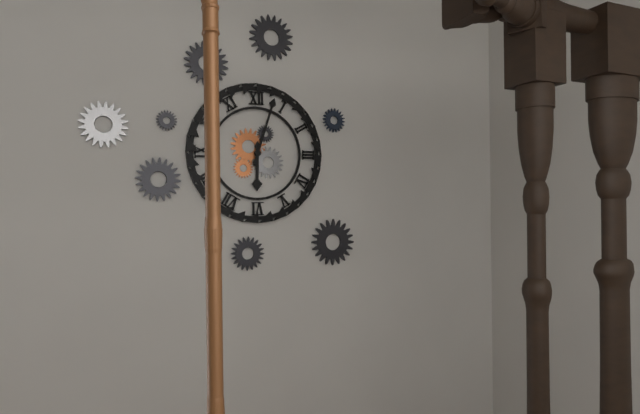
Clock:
6:03
